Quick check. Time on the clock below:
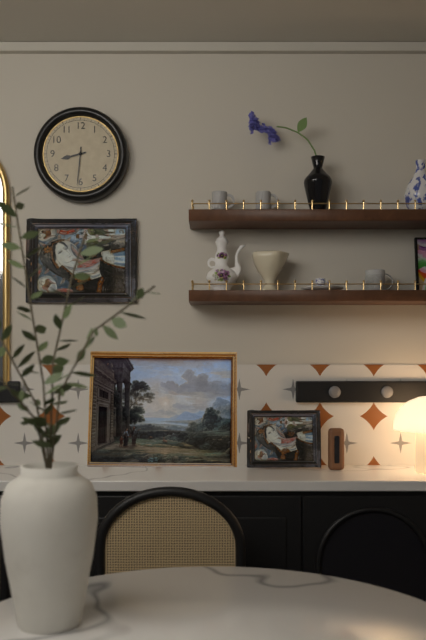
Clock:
8:31
